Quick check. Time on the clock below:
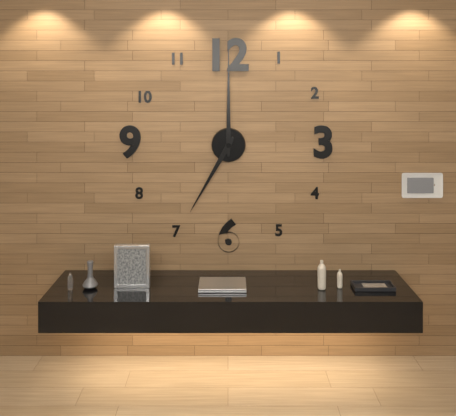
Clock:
7:00
